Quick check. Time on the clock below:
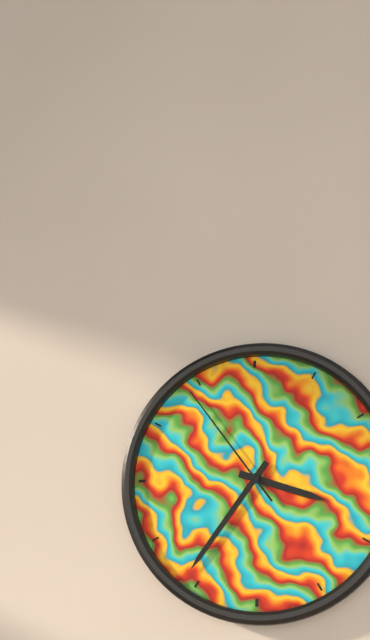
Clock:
3:36:54
